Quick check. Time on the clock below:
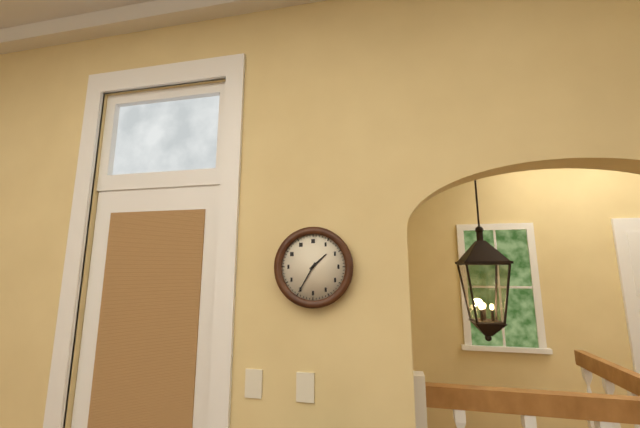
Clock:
1:35
